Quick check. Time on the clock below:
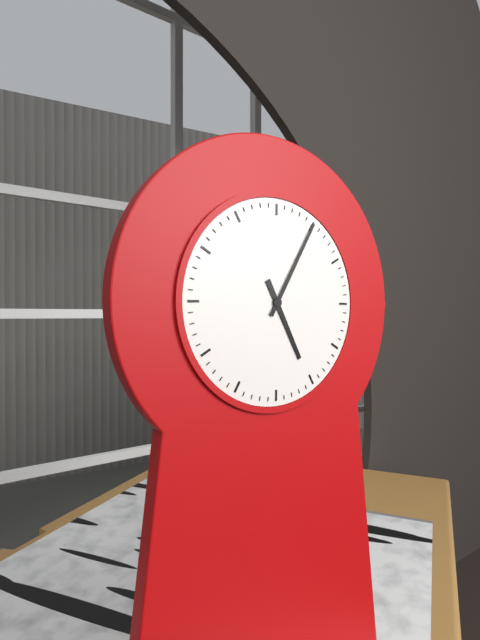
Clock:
5:05
